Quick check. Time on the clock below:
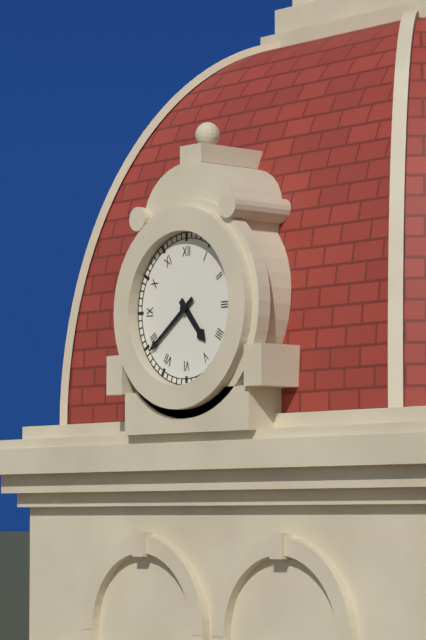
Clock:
4:39
